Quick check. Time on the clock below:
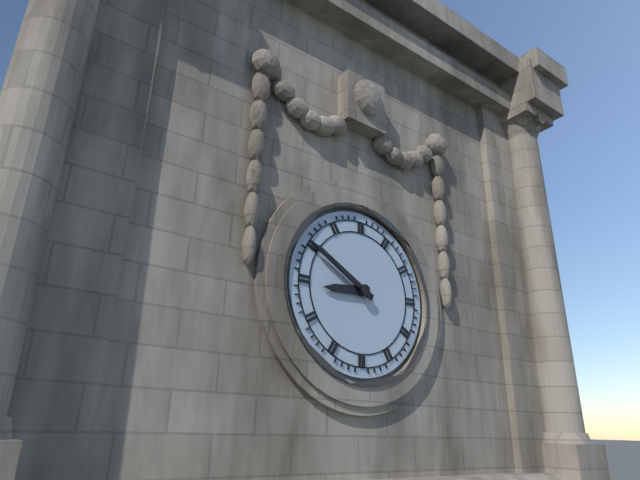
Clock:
8:50
